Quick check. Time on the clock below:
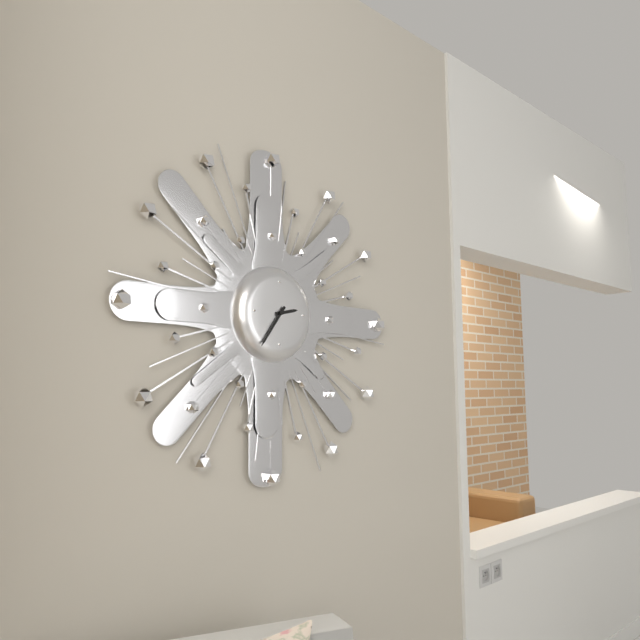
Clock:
2:36
